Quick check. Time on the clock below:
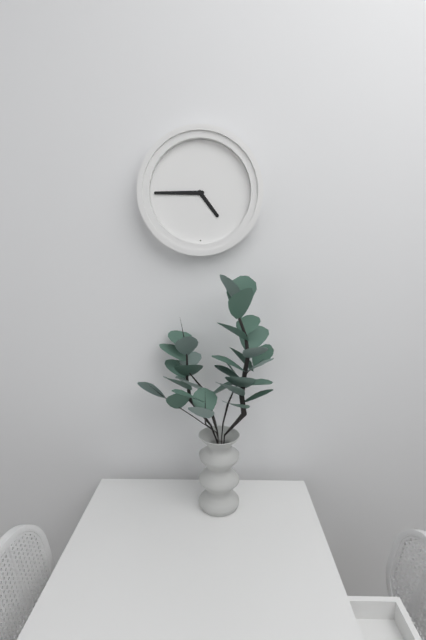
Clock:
4:45
